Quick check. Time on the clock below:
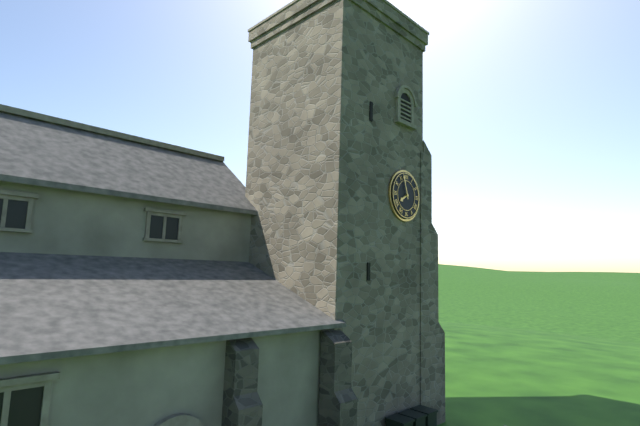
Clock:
7:57
